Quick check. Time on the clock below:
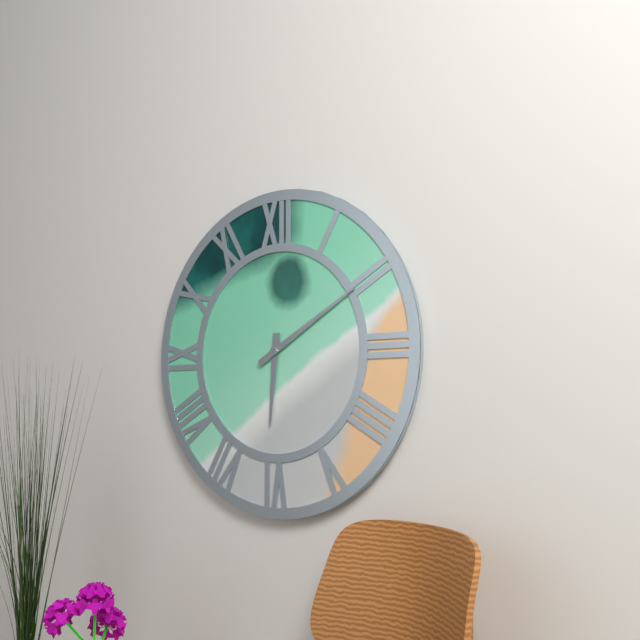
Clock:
6:10
